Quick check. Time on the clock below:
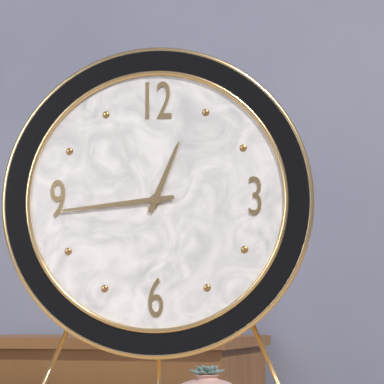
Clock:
12:44
